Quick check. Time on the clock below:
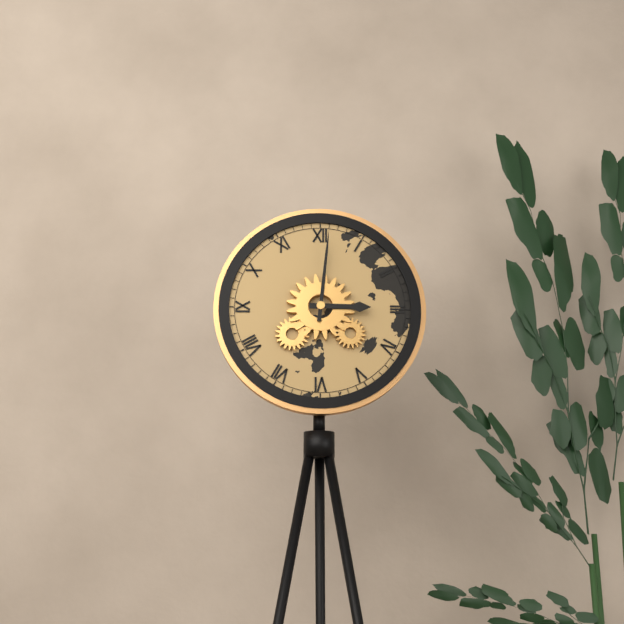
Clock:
3:01
